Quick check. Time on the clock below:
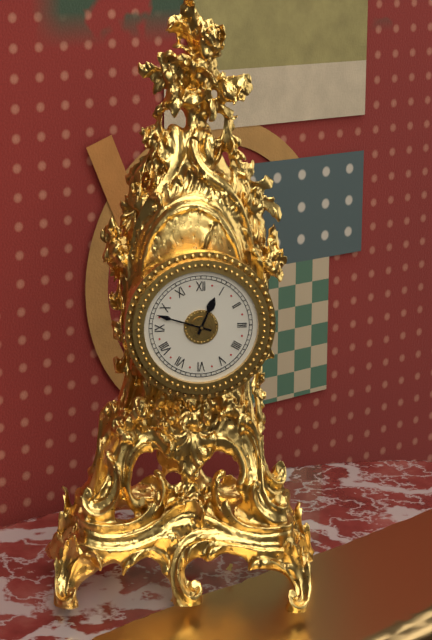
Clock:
12:48
